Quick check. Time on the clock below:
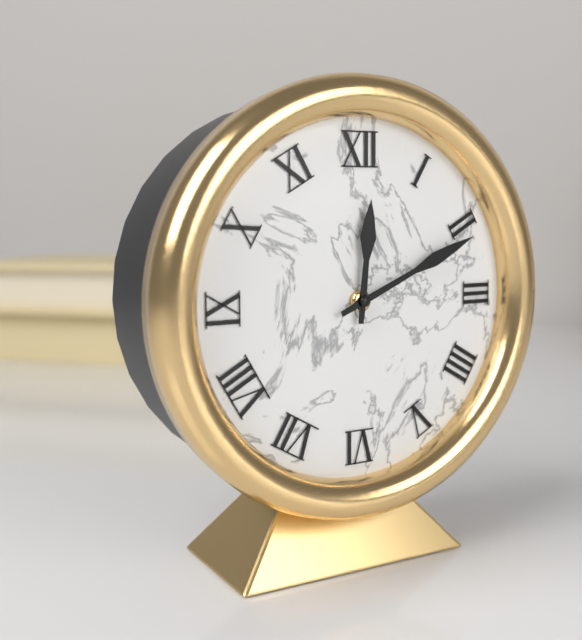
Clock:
12:11
